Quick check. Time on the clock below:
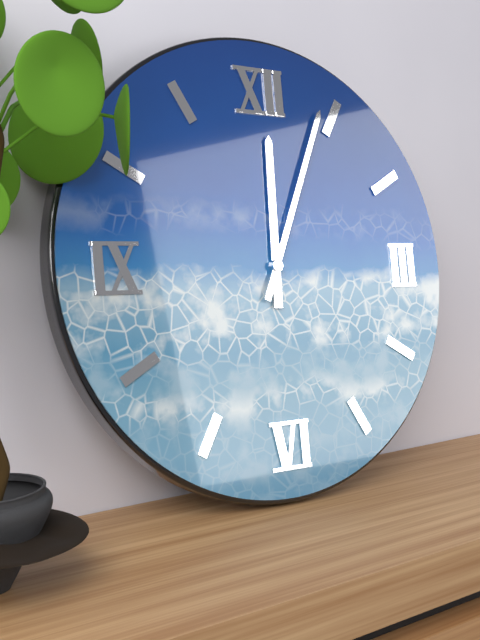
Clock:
12:04
